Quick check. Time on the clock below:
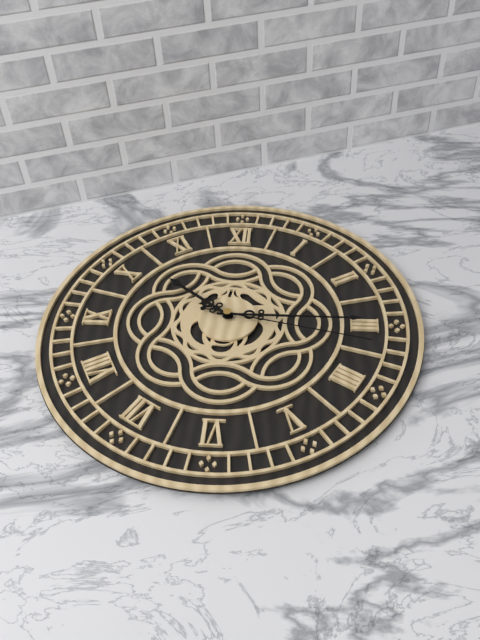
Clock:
10:15:17
